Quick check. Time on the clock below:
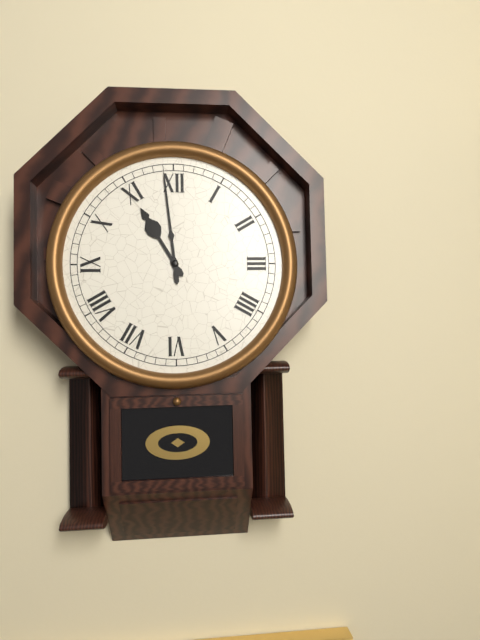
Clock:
10:59
